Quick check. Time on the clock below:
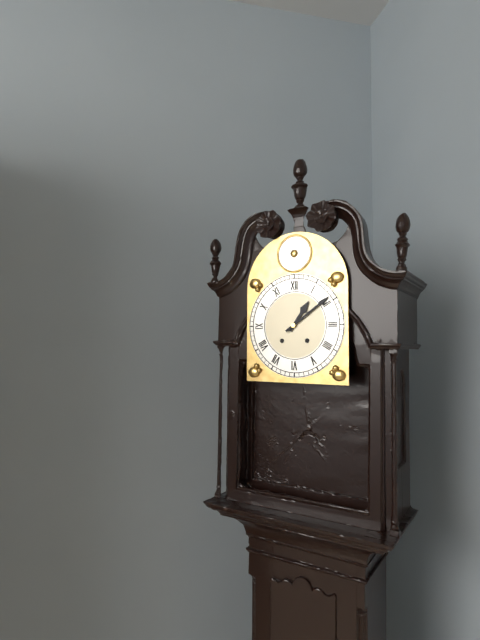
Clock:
1:09
